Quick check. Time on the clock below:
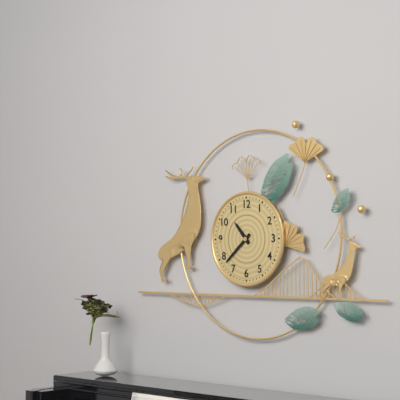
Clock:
10:38
